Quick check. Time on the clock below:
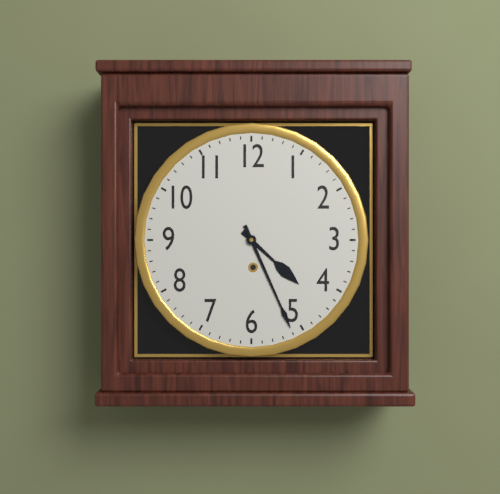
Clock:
4:26
